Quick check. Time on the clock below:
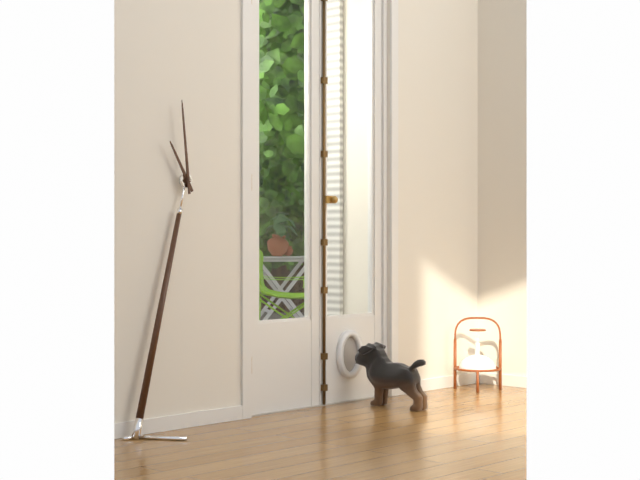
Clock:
10:59
